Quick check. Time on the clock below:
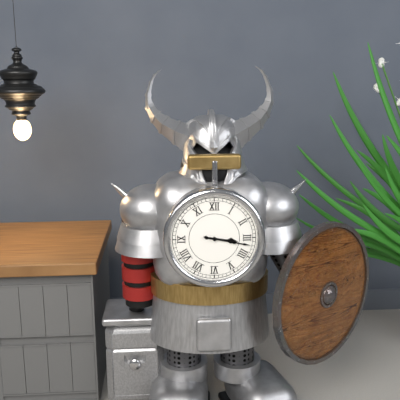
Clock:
3:17
